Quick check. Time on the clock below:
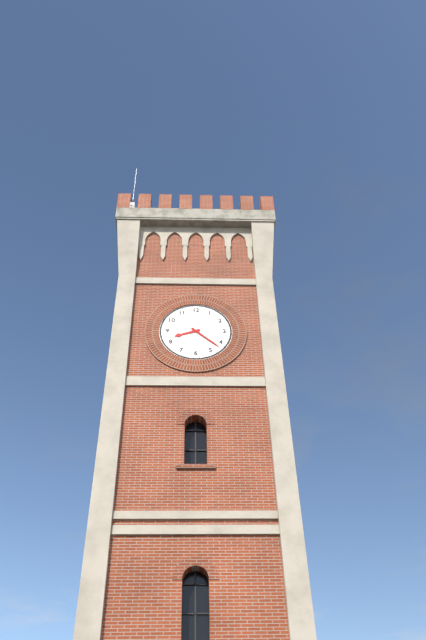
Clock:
8:22
